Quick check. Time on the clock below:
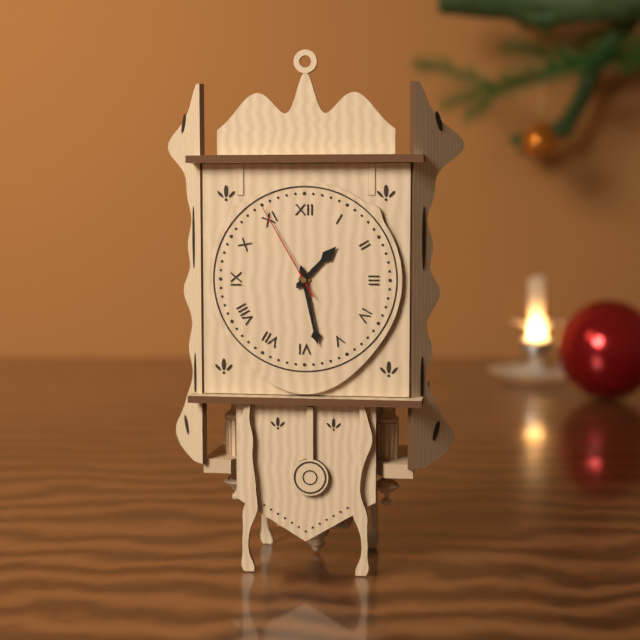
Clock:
1:28:55
